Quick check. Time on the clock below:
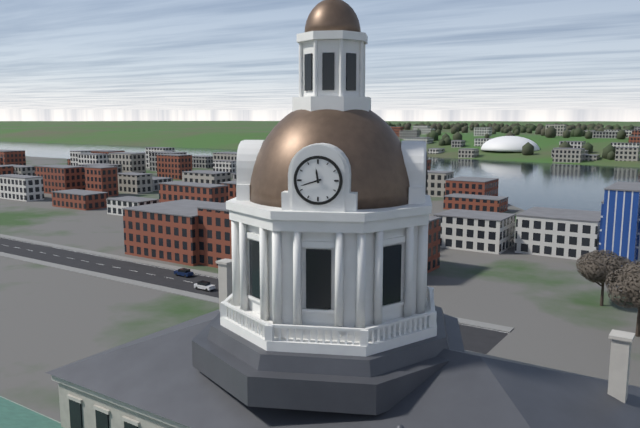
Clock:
11:42
